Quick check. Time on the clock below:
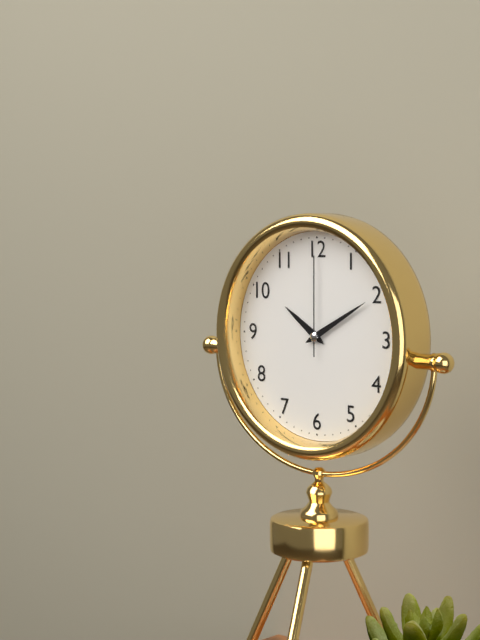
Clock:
10:10:00
